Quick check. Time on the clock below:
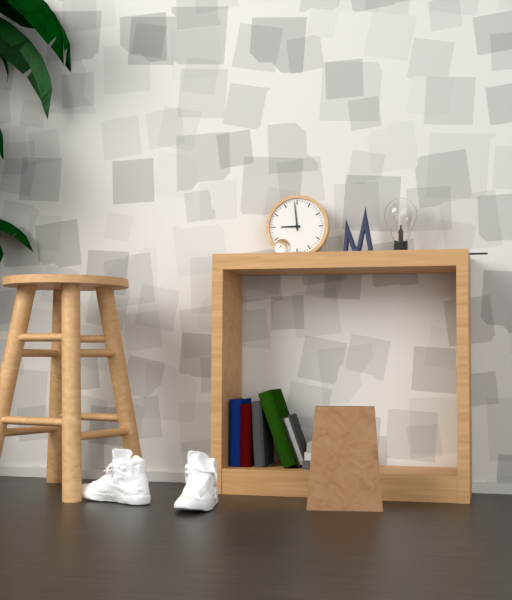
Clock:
8:59
